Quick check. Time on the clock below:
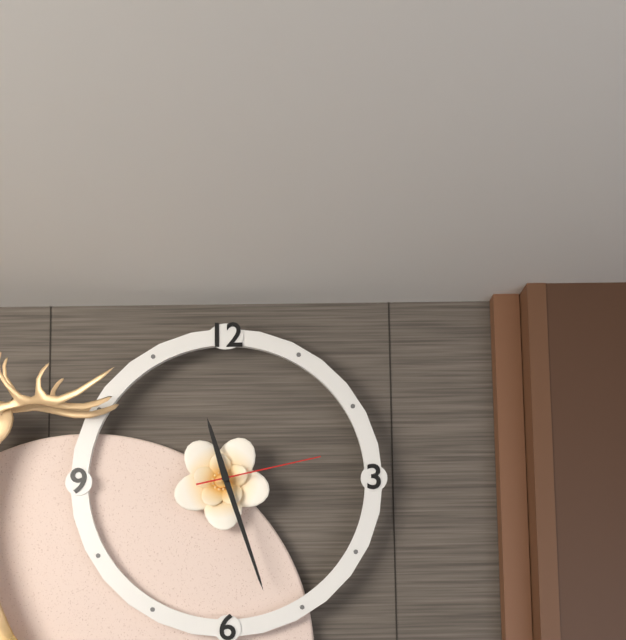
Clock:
11:27:13
